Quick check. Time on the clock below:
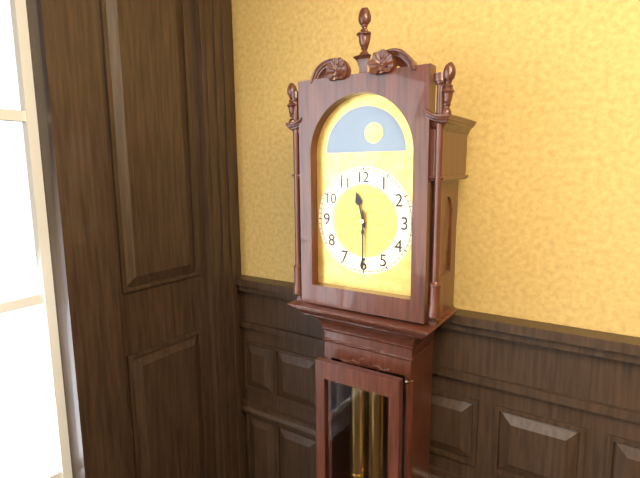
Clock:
11:30
